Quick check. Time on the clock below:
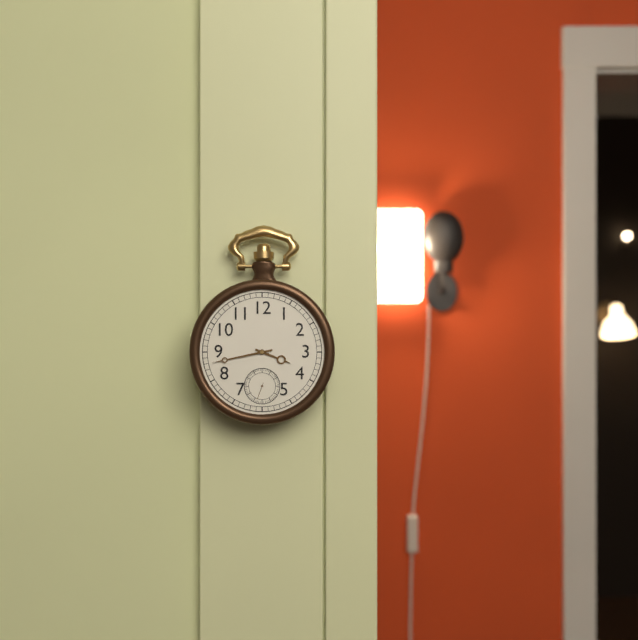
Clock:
3:43
